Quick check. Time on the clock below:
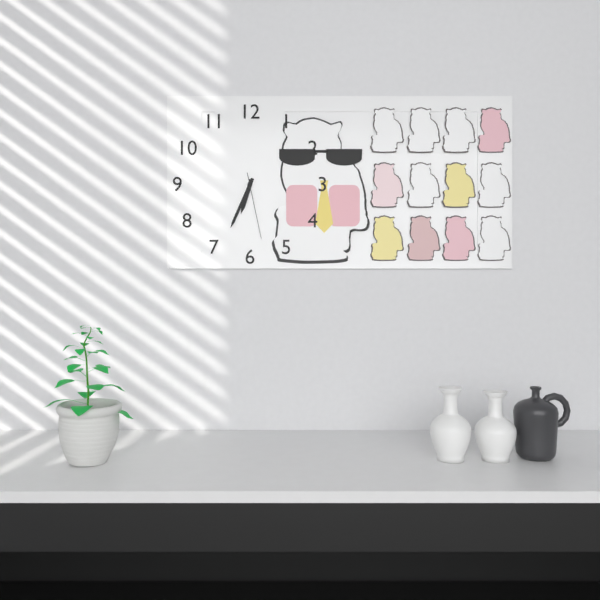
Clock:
6:34:28
